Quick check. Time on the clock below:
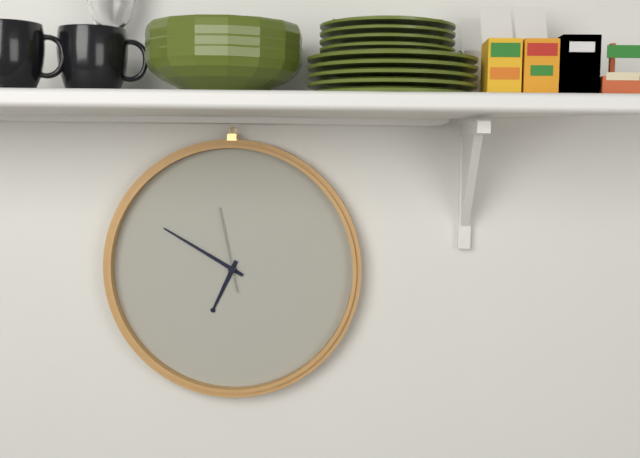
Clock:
6:50:58
